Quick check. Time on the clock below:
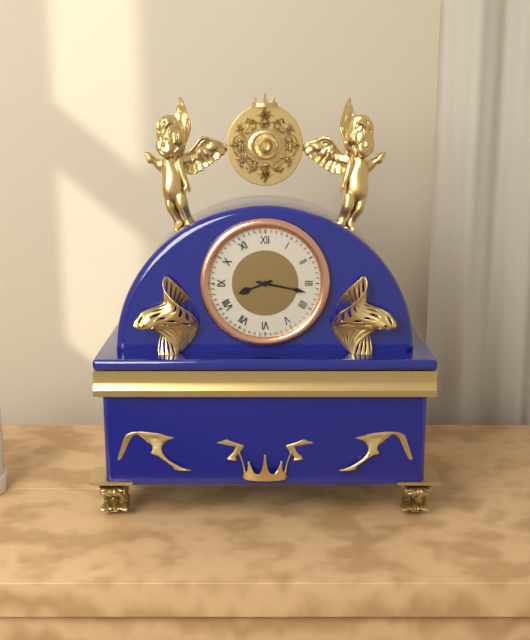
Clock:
8:17
